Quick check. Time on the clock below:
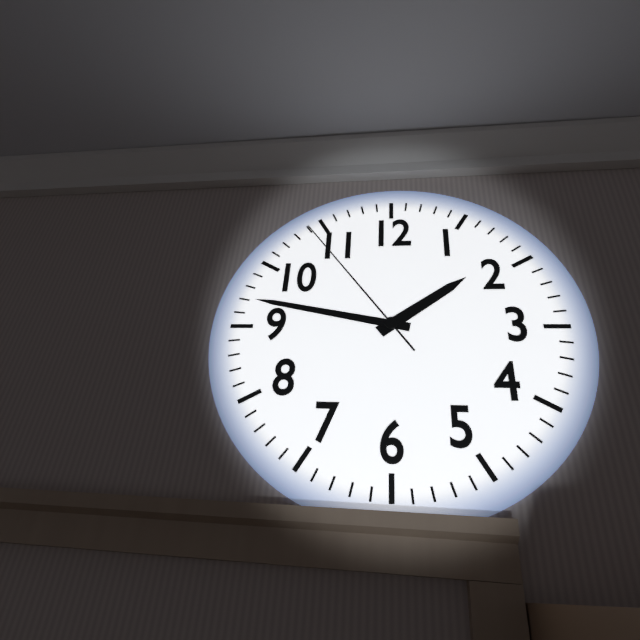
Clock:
1:47:54
